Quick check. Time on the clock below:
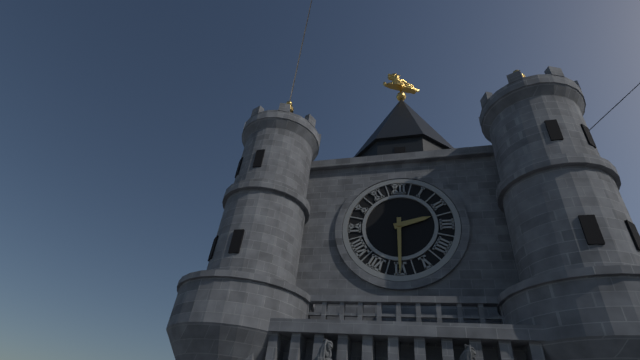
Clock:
2:30
